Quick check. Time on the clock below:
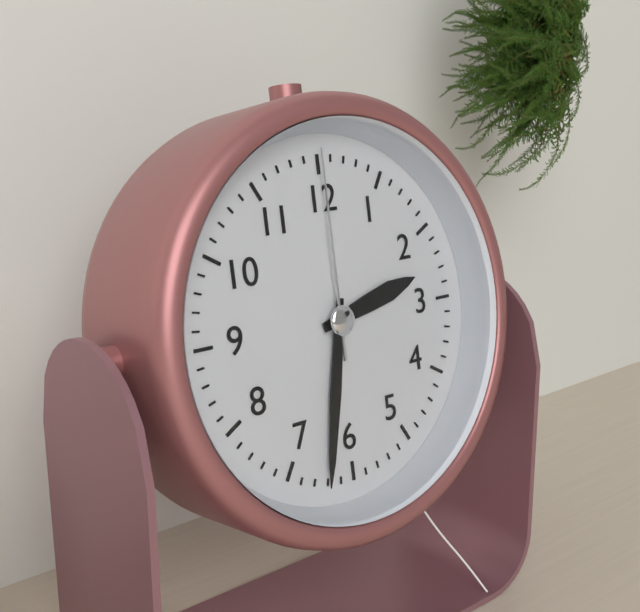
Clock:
2:32:00
